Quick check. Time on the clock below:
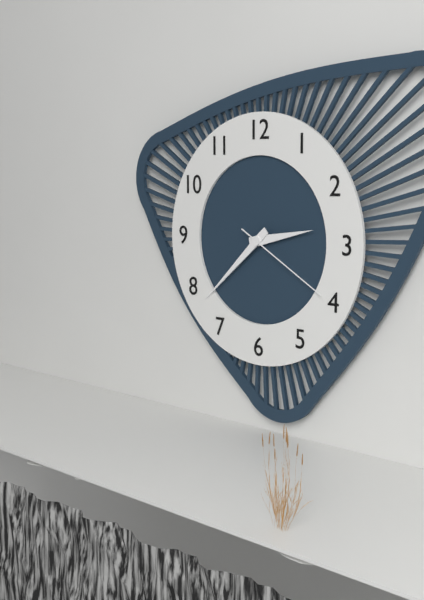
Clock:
2:38:20
